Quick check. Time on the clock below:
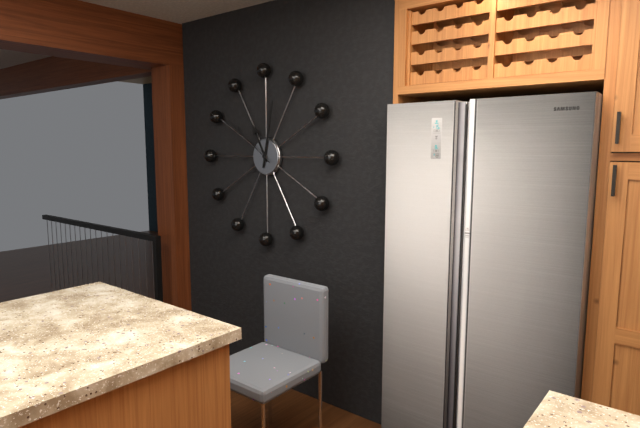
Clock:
11:02:51
